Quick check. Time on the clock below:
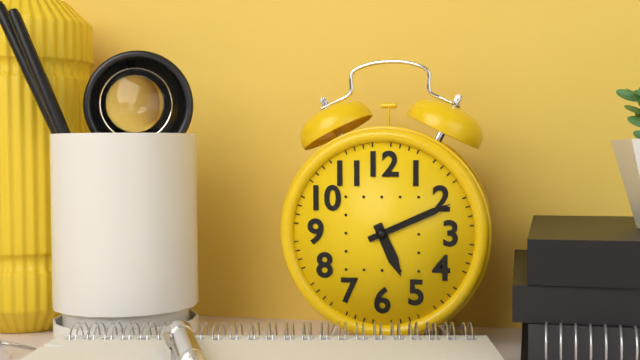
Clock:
5:11
